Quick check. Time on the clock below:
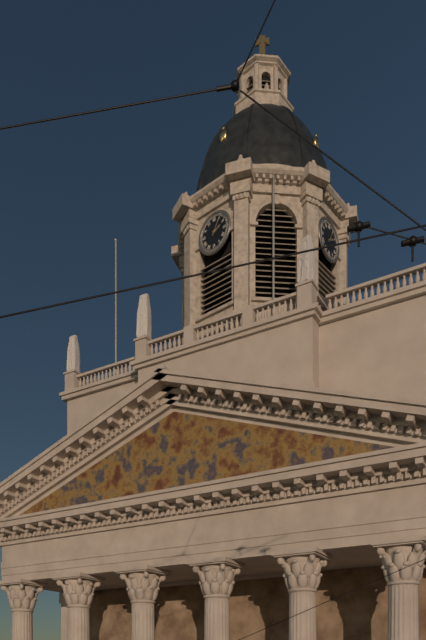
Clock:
2:05
